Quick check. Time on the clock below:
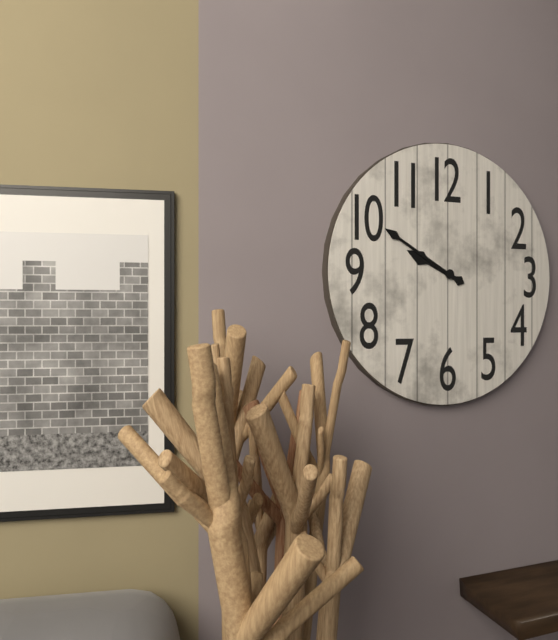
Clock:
9:50
